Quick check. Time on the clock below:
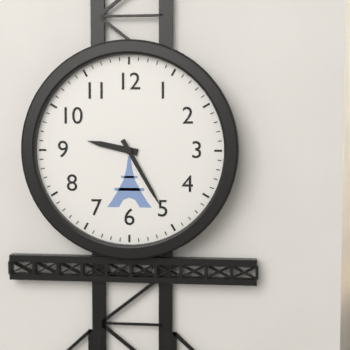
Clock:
9:25
